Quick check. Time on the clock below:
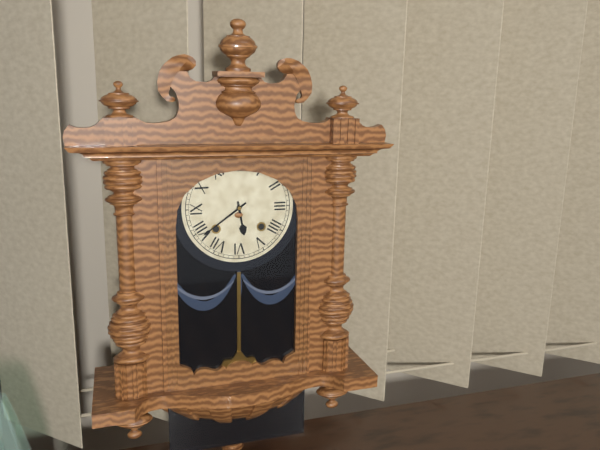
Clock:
5:39
